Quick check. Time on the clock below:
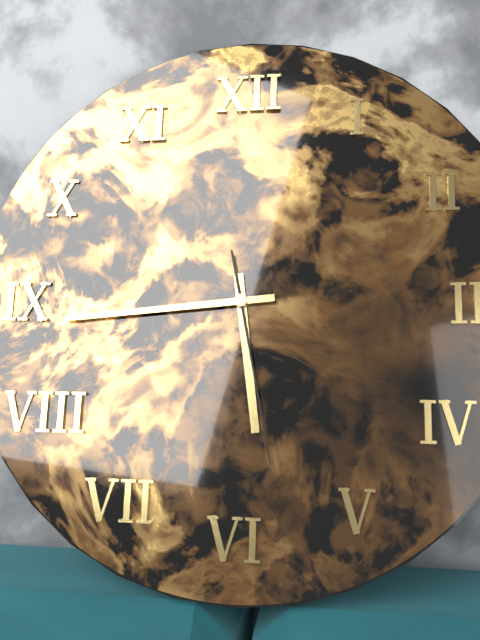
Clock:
5:44:28
